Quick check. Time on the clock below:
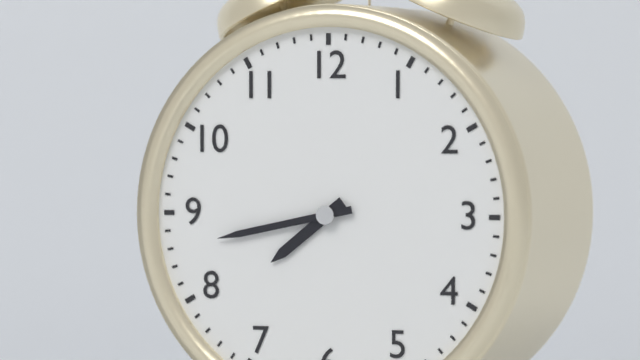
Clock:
7:43
